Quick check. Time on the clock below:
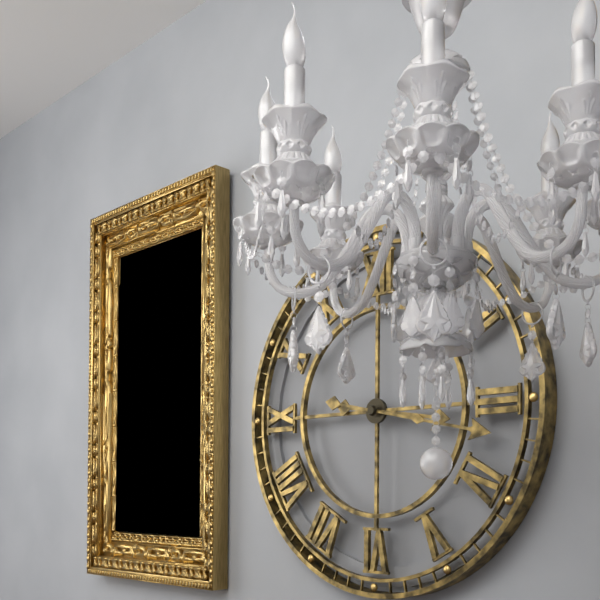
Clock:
3:17
